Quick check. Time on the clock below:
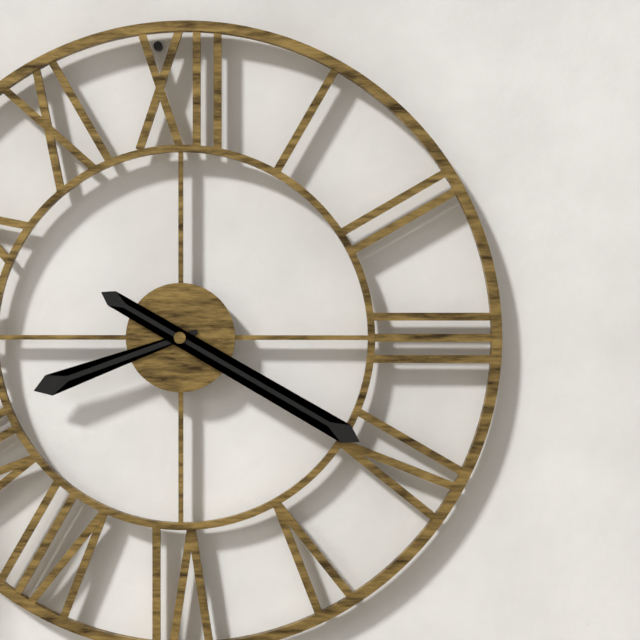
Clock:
8:20
